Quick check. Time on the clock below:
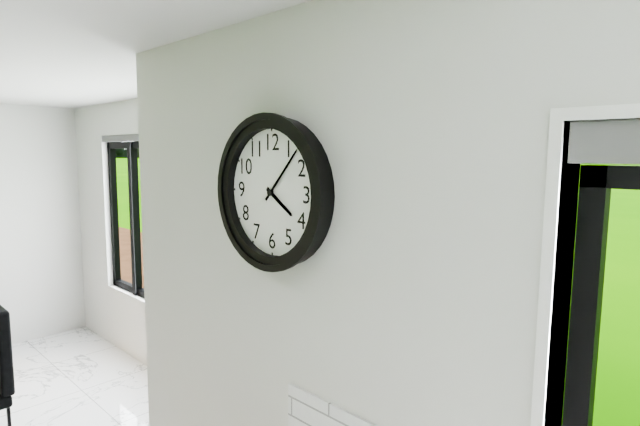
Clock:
4:07
